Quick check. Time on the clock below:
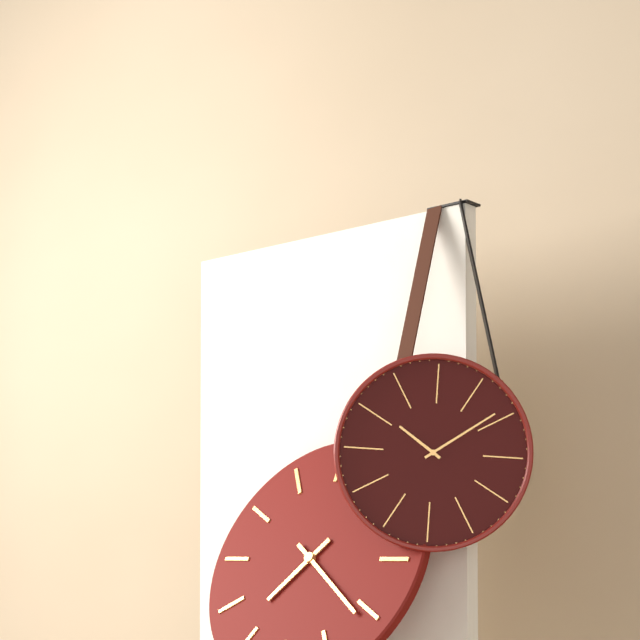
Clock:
7:21
